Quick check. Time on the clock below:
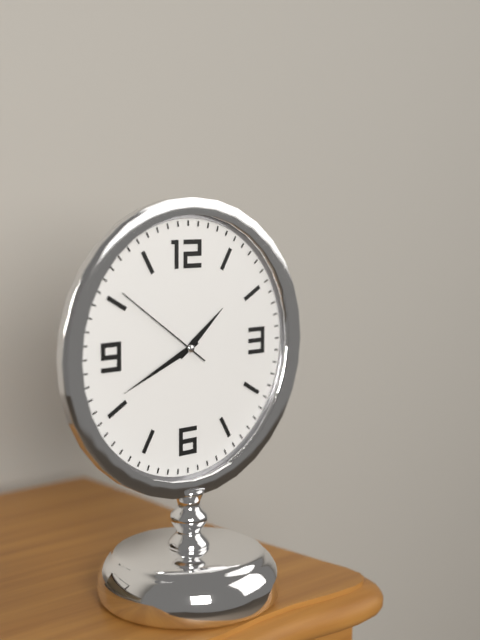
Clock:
1:41:51
